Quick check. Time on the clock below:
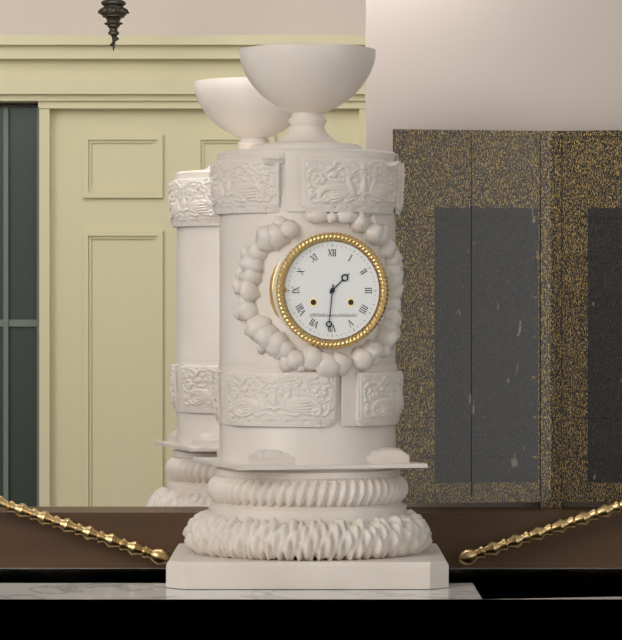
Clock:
1:31
